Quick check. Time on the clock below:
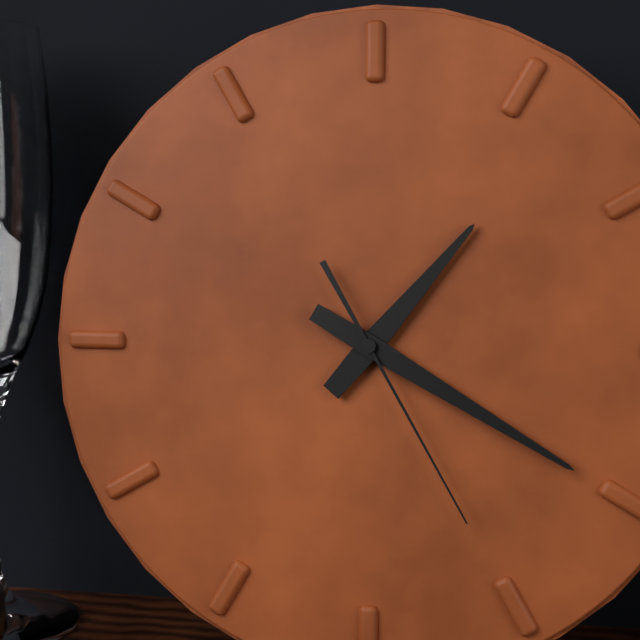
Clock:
1:20:25
